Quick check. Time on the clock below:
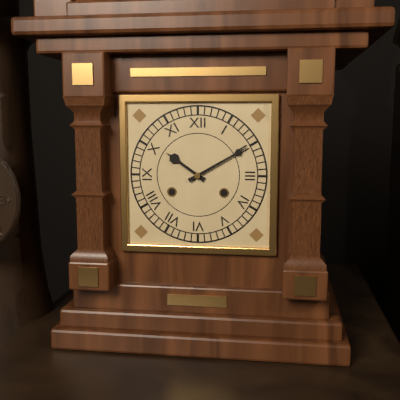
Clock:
10:10
